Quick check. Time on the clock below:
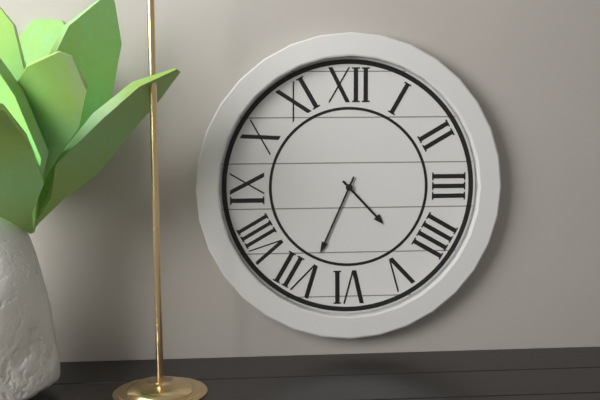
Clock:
4:34
